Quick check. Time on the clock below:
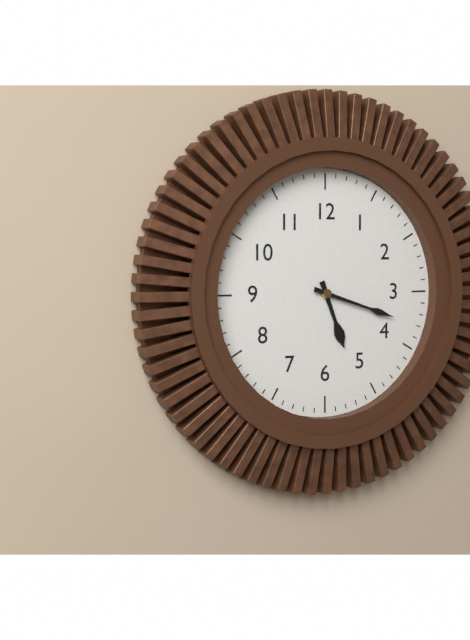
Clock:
5:18
